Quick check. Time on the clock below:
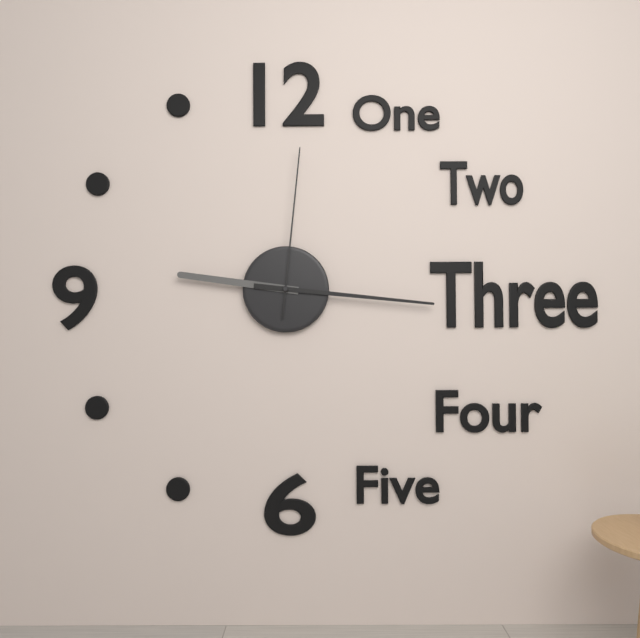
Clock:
9:16:01
